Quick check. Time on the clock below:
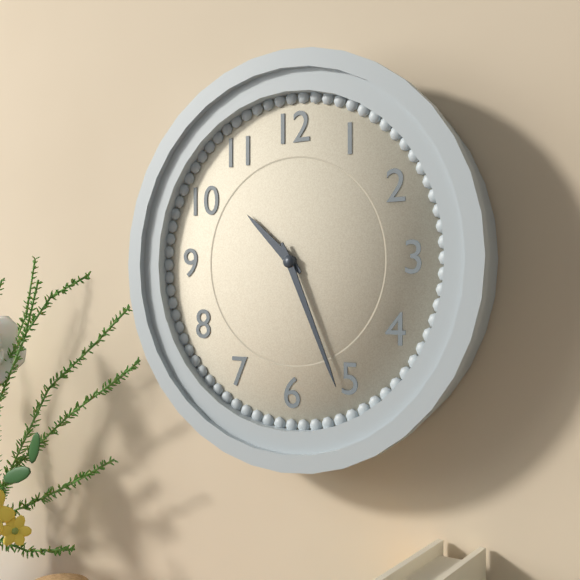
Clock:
10:26
